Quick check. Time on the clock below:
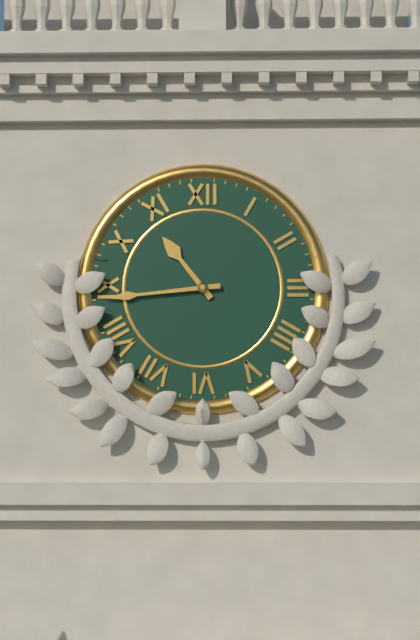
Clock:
10:44
